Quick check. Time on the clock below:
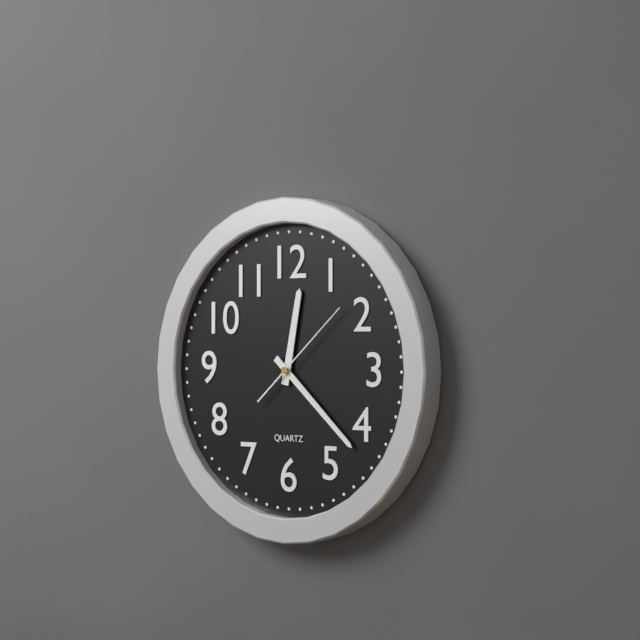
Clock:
12:22:08
